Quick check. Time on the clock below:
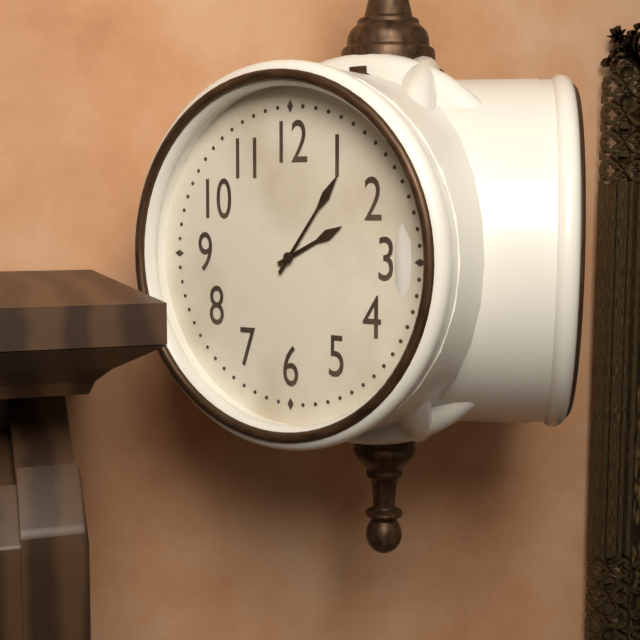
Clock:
2:06
